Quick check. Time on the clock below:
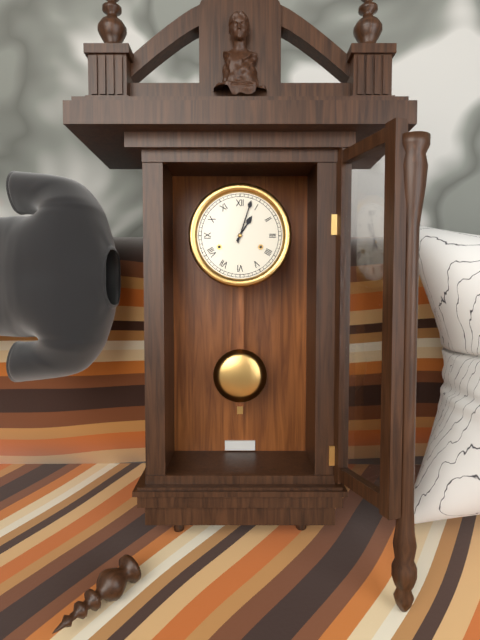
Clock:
1:03
